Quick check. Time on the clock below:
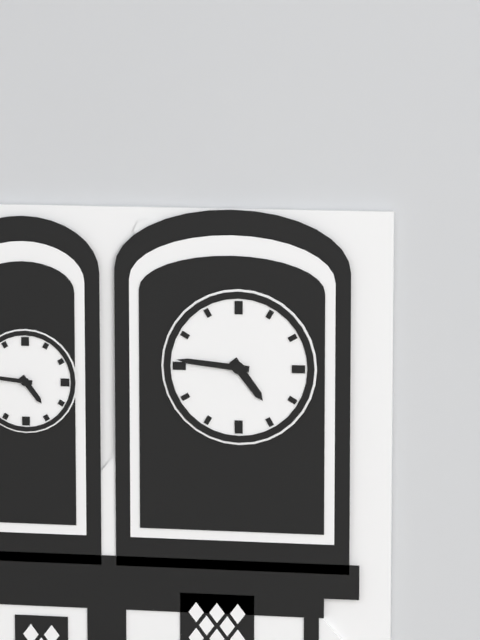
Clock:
4:46
